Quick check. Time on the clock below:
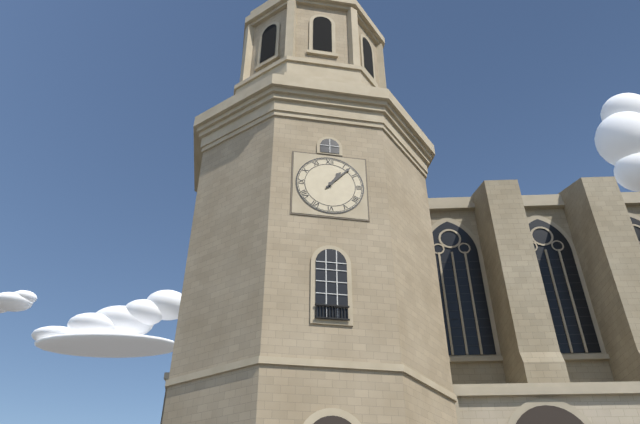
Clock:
1:07
